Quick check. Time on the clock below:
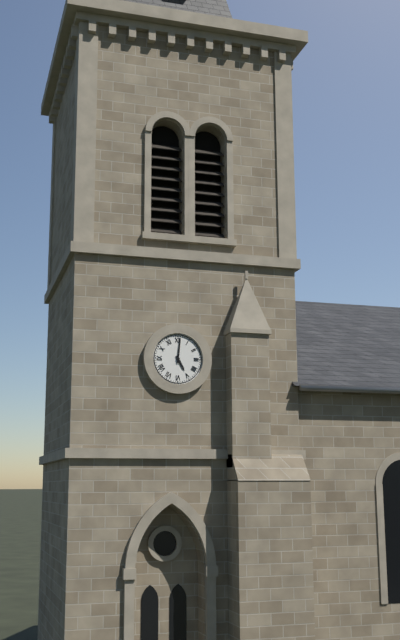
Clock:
5:01
